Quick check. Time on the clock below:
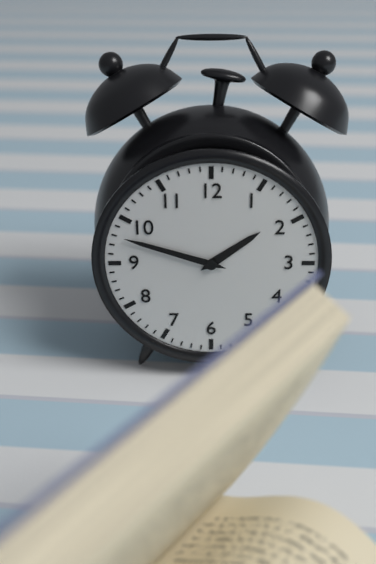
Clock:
1:48
